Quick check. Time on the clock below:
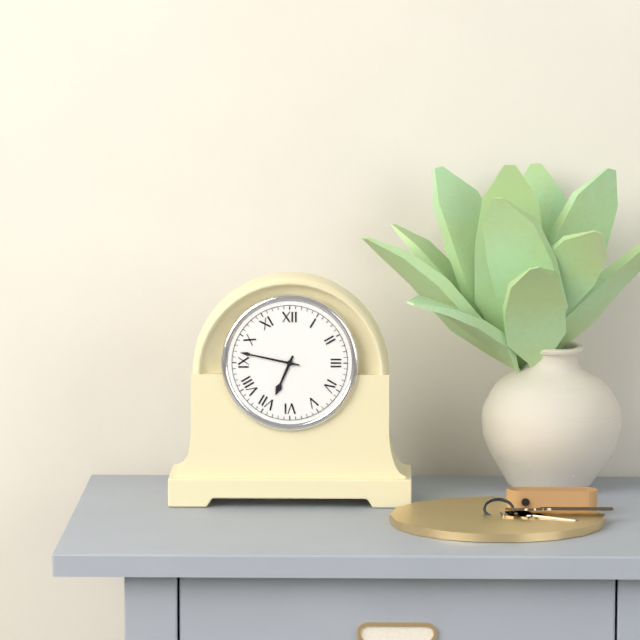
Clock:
6:47
